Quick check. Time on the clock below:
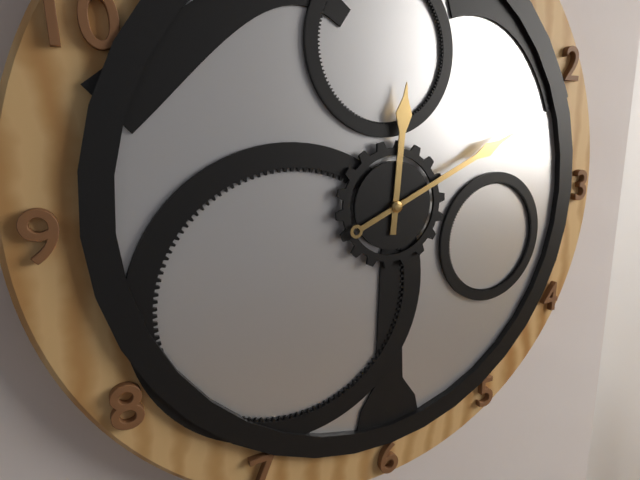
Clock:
12:11
